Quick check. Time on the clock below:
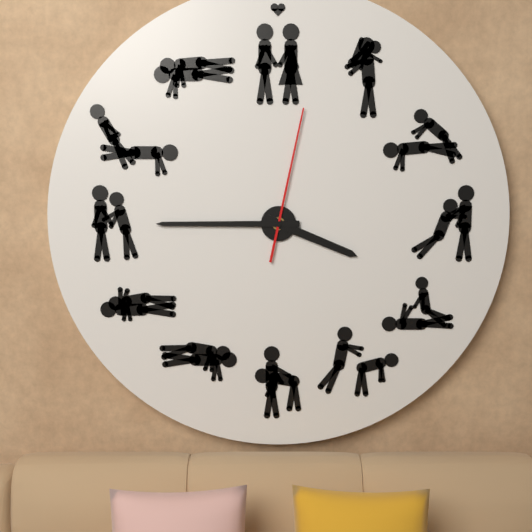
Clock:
3:45:02
